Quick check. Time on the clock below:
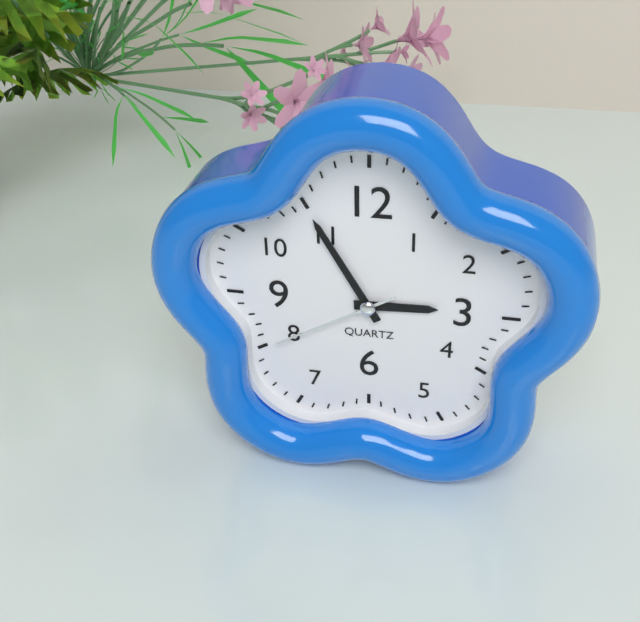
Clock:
2:55:40
